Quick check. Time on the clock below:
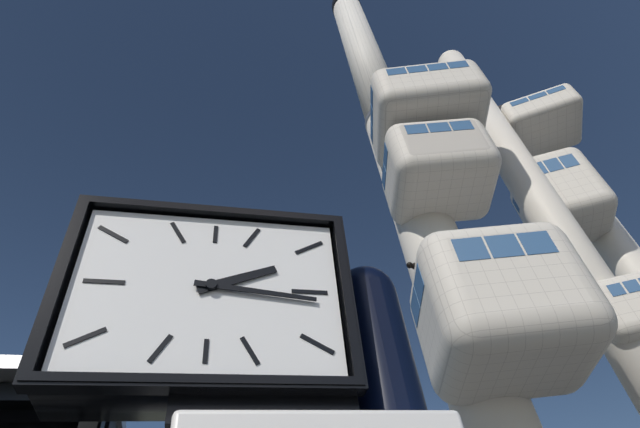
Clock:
2:16
